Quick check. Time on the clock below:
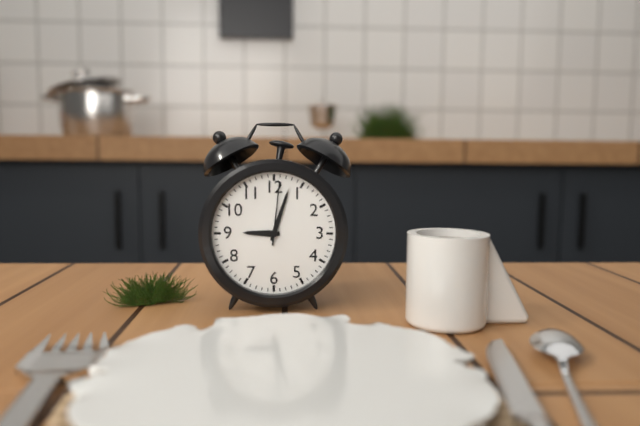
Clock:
9:03:01
